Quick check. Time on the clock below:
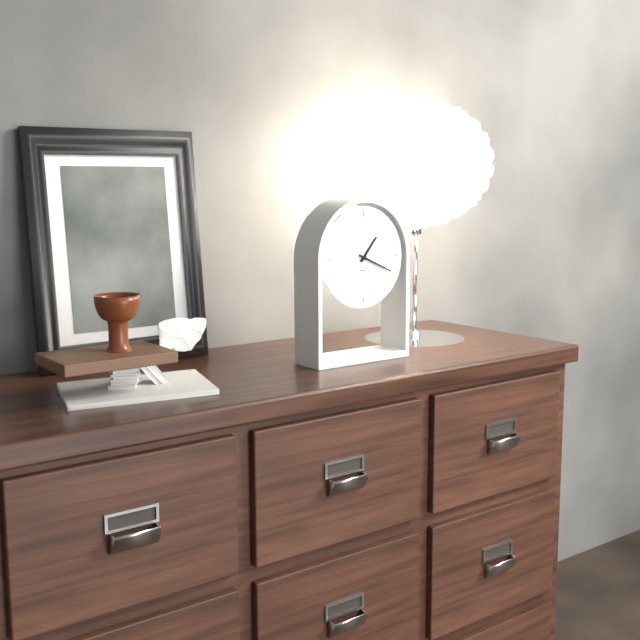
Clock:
1:19
